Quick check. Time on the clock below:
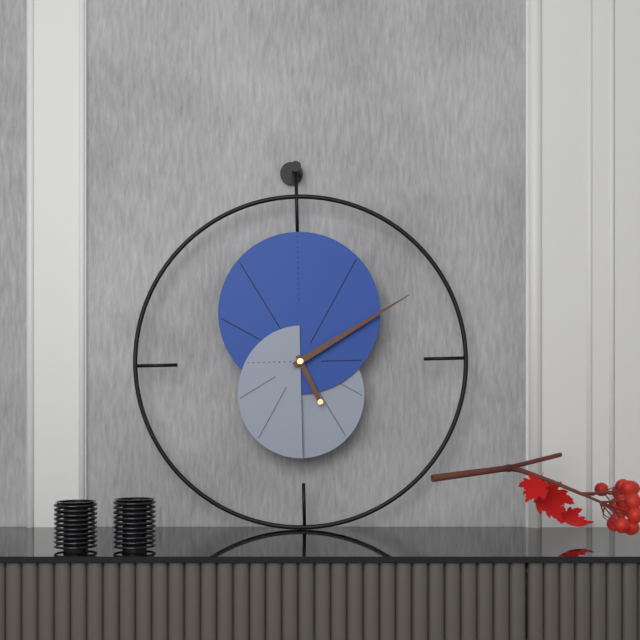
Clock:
5:10
